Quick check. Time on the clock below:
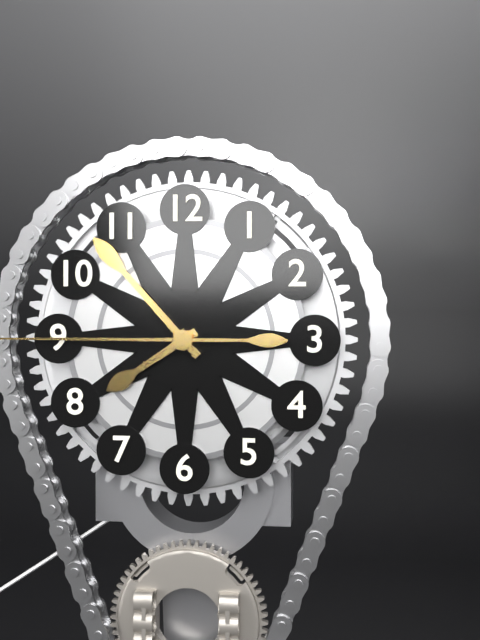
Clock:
7:53
